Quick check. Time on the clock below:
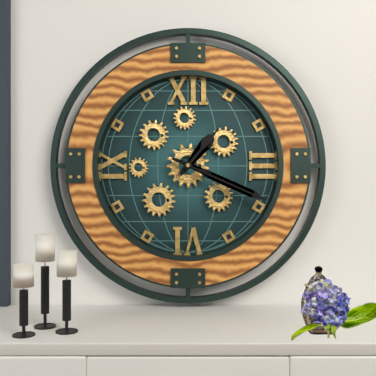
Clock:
1:19
